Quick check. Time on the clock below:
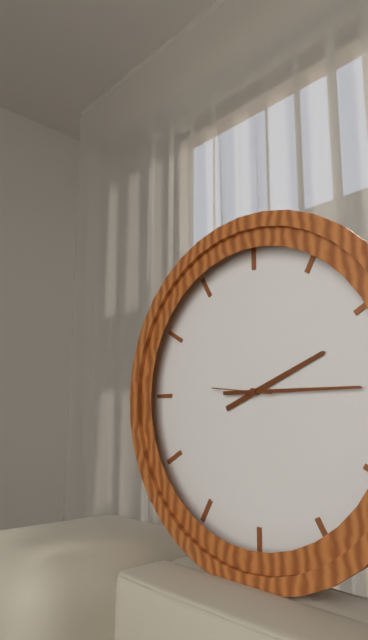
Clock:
2:15:46
